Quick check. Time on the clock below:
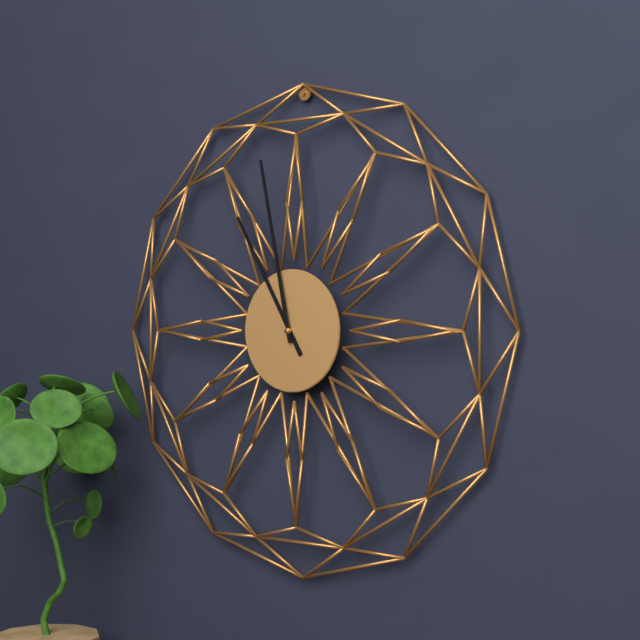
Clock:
10:58
